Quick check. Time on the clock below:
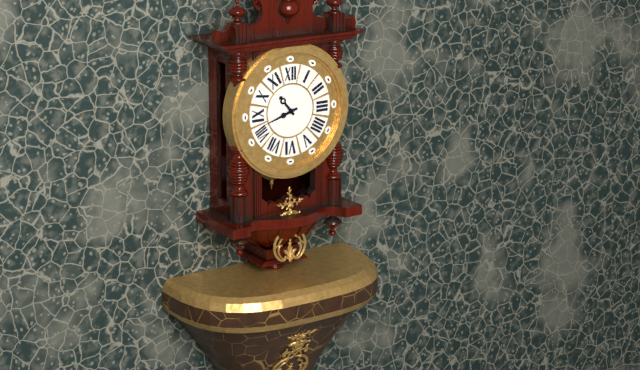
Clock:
10:42
